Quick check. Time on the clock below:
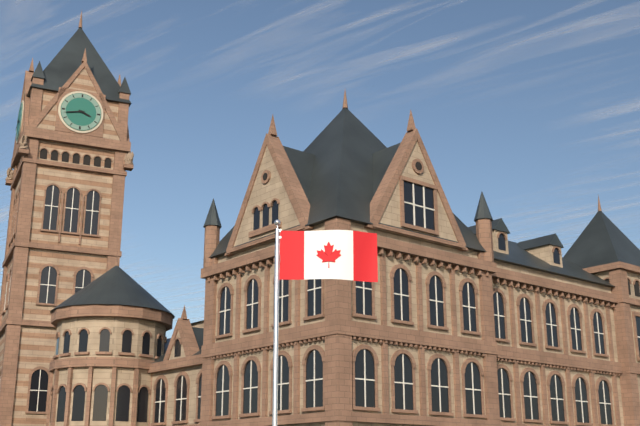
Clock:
3:43
